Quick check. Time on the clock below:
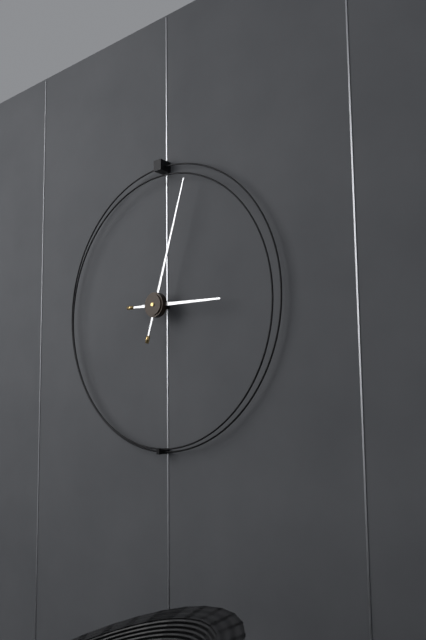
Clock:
3:03
